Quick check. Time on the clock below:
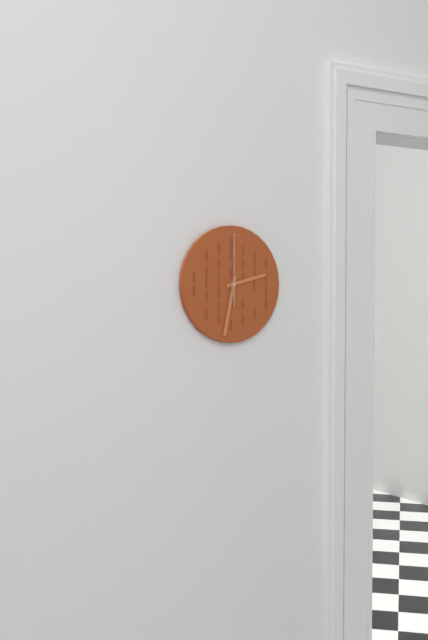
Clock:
2:32:00
